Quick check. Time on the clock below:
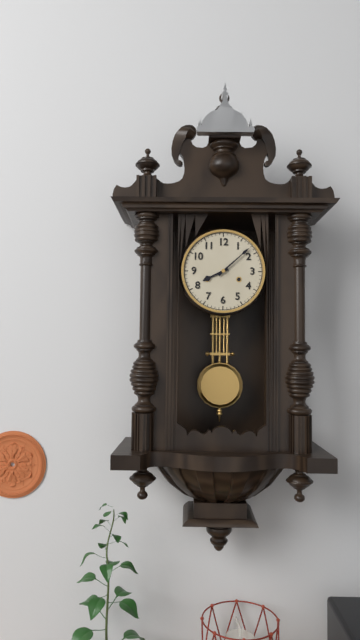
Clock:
8:08
